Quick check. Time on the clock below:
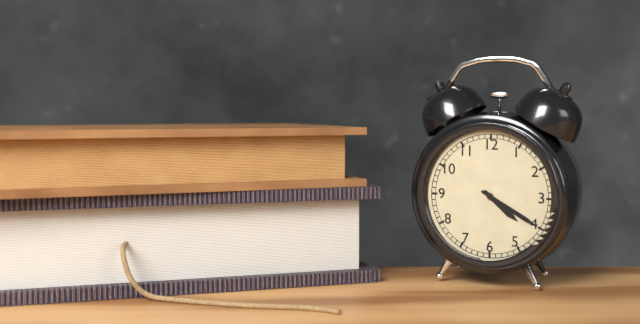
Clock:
4:20
